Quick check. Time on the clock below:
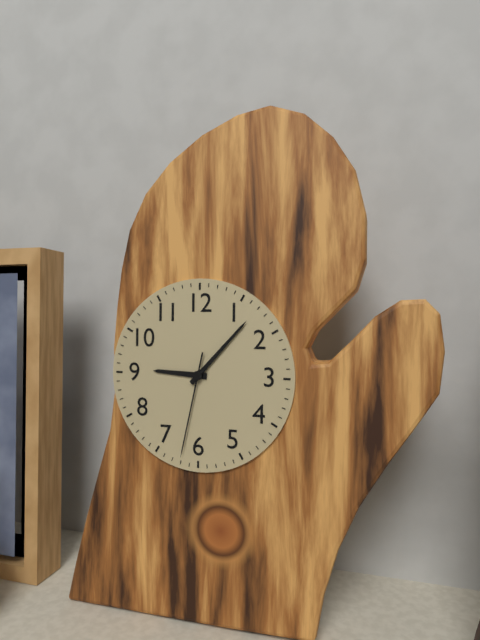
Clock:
9:07:32
